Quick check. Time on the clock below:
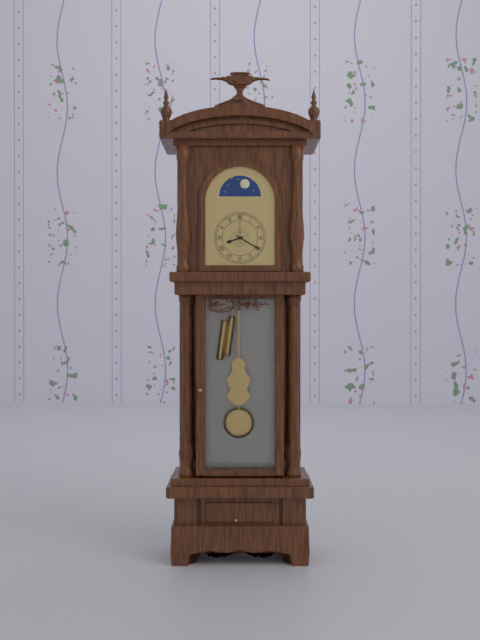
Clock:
8:20
